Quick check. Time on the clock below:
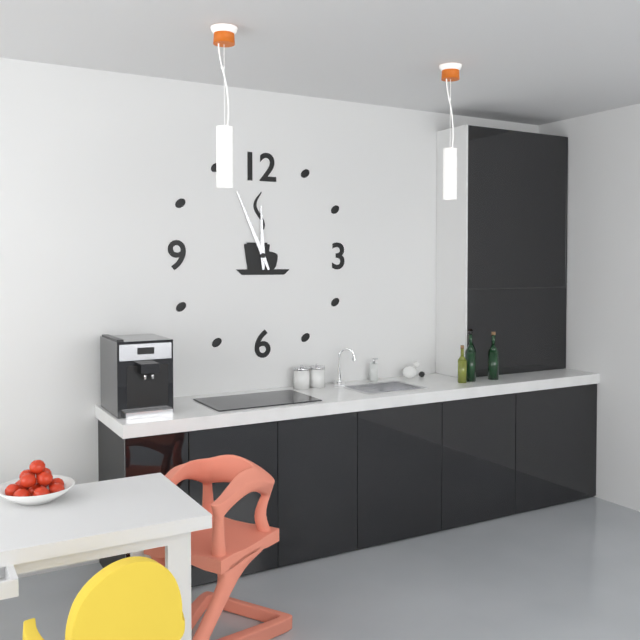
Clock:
11:56
